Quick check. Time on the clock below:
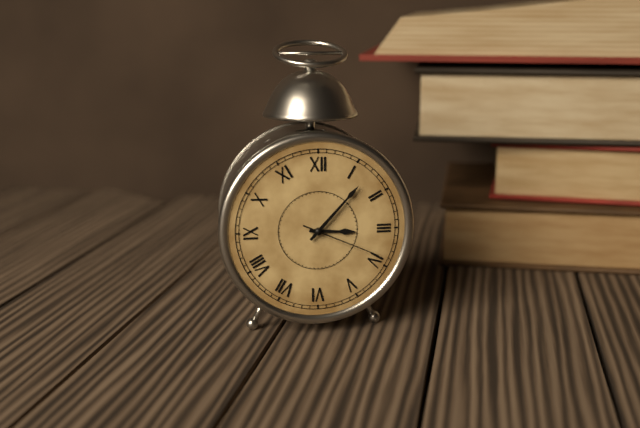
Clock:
3:07:19
